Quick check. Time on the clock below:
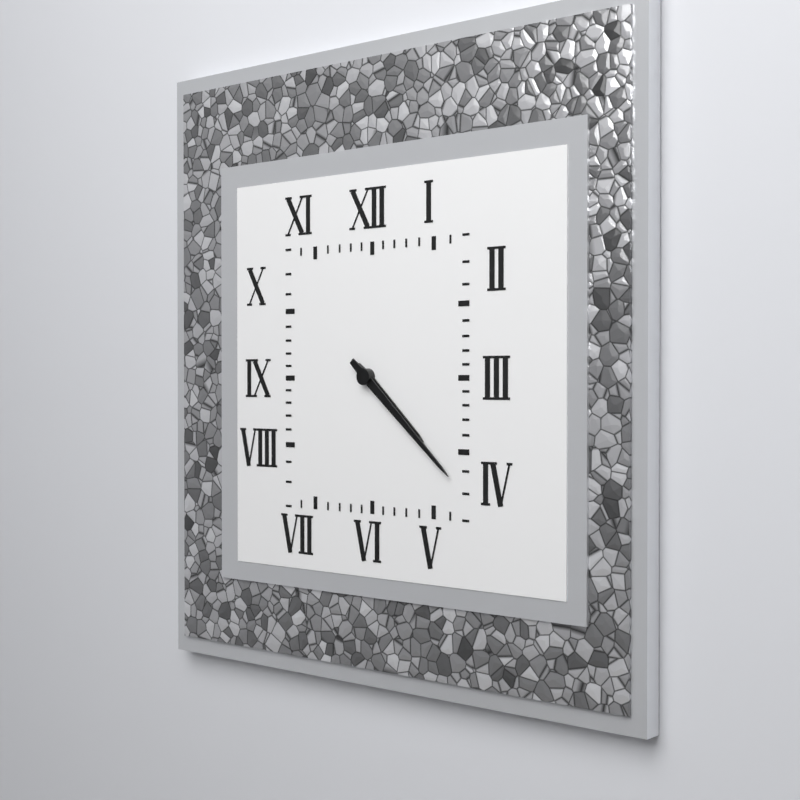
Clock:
4:22
